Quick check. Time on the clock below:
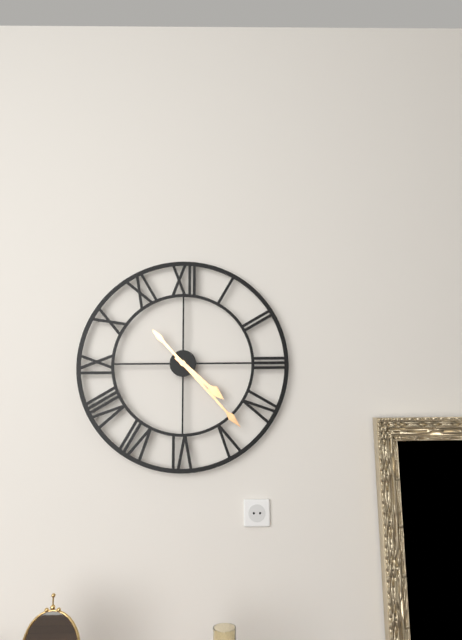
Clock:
4:23
